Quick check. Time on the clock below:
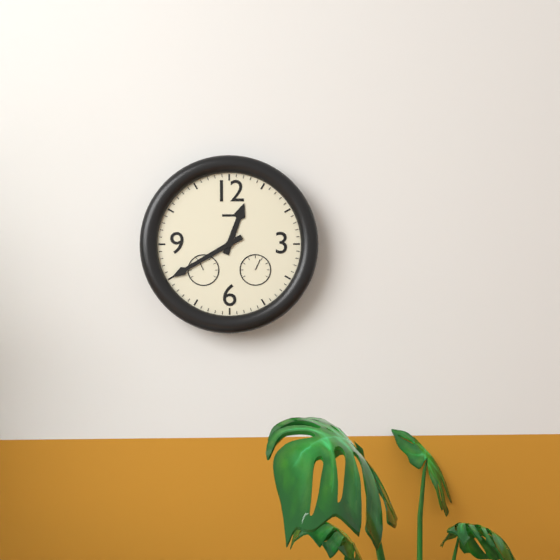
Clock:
12:40
